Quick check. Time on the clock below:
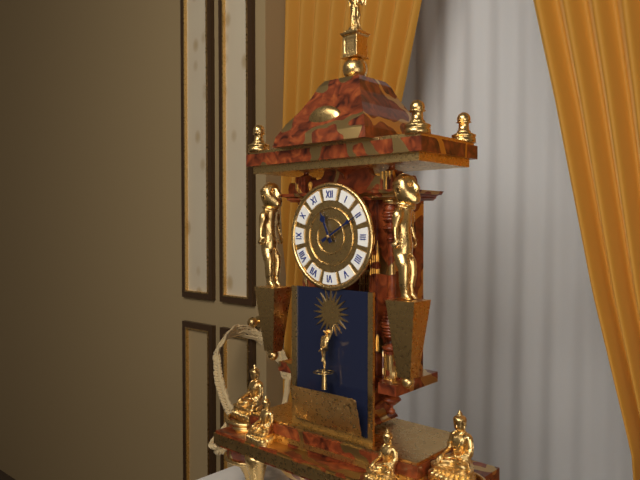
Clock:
11:10
